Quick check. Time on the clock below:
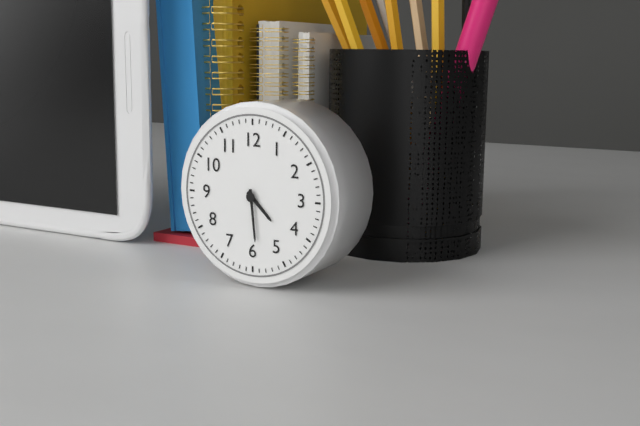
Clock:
4:29
